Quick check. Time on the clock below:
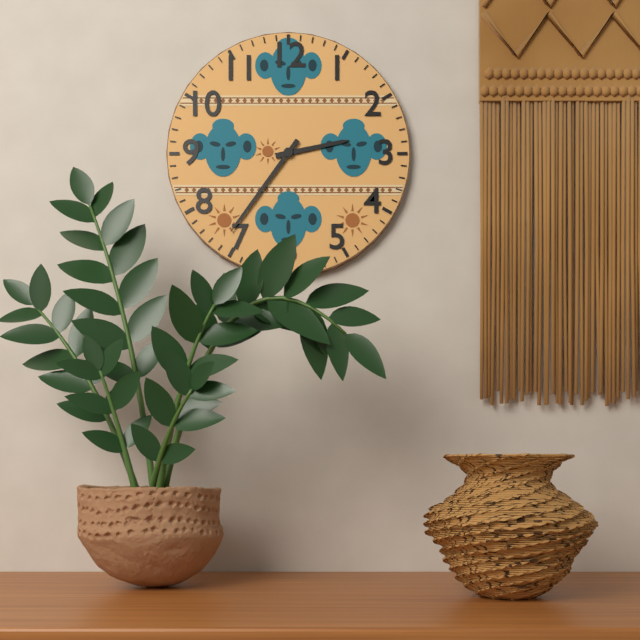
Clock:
2:36
